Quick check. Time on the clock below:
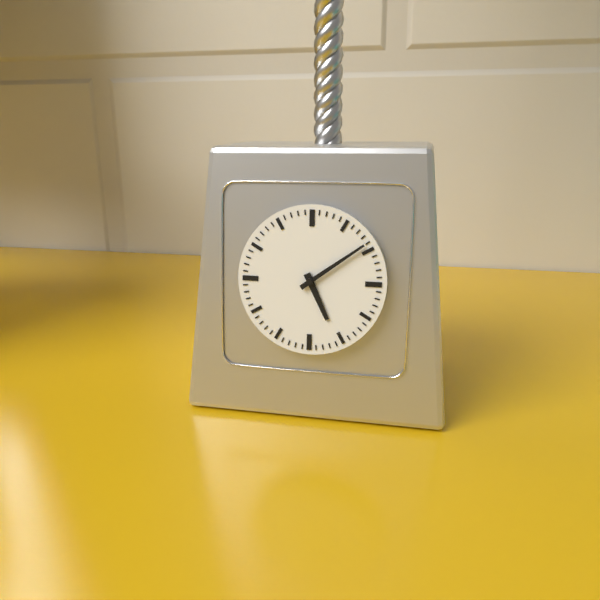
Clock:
5:09
